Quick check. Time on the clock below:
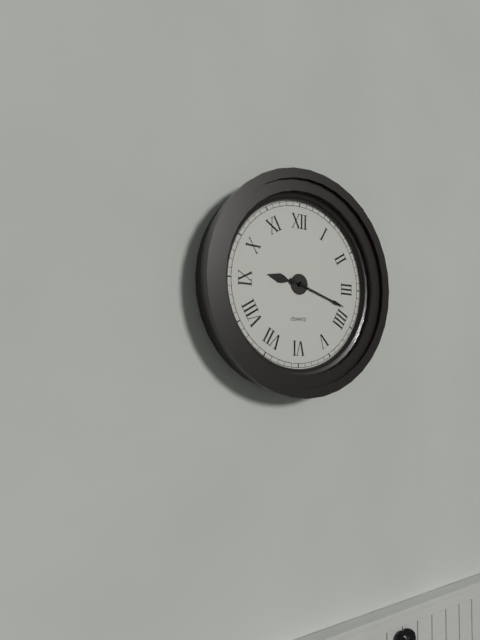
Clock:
9:18
